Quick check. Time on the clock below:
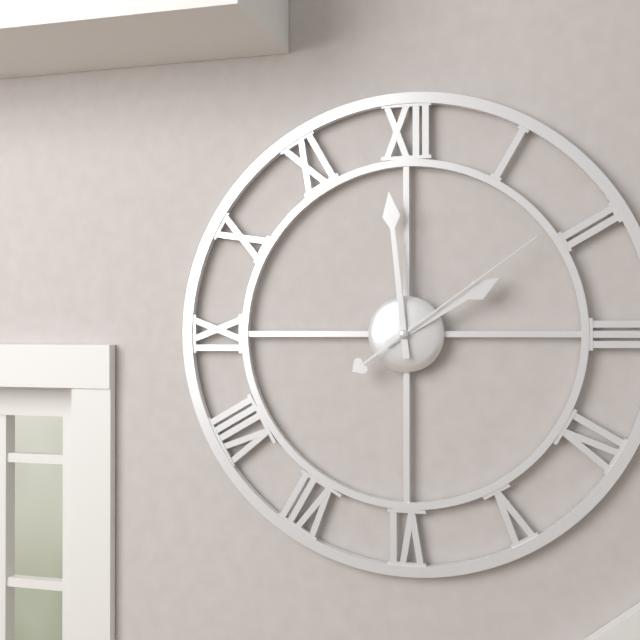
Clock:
1:59:09
